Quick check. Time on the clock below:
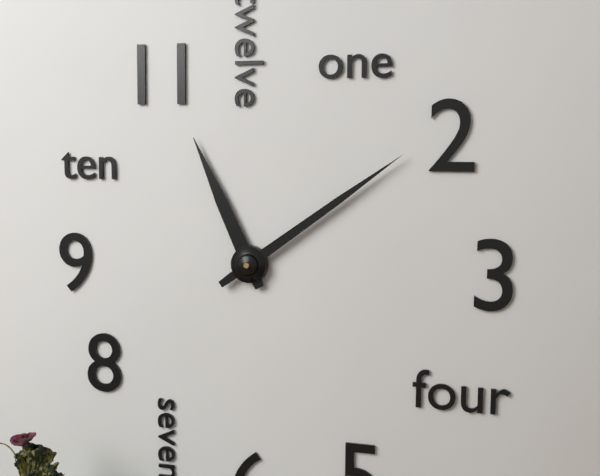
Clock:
11:09
